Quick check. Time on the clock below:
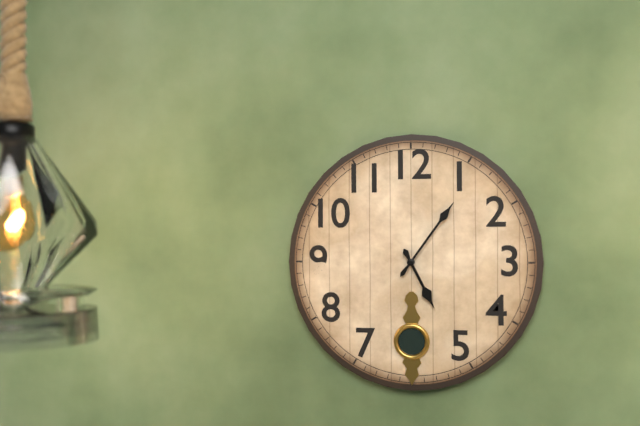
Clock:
5:06
